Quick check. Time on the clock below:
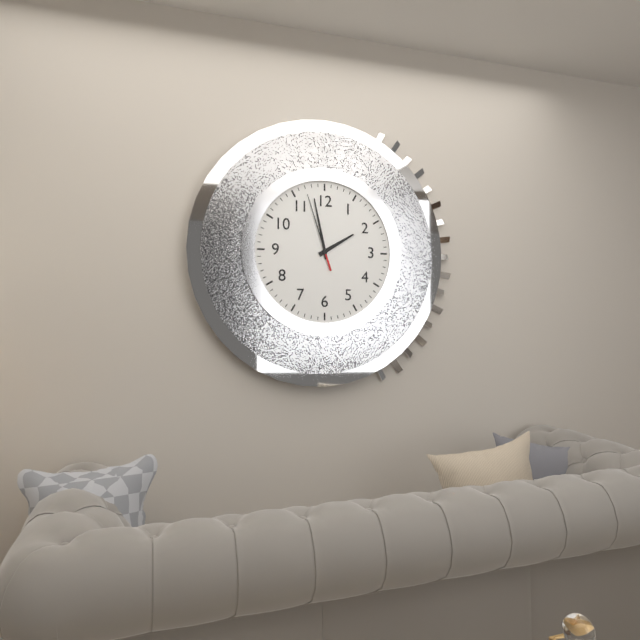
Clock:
1:58:57
